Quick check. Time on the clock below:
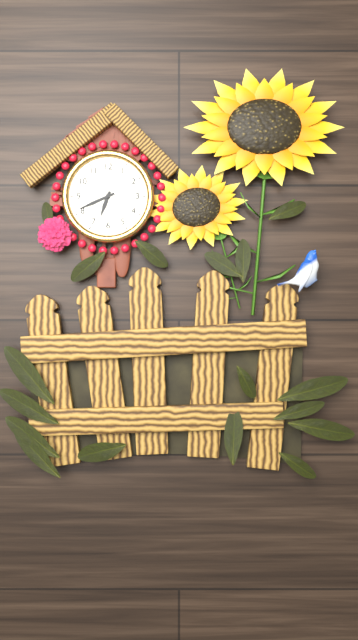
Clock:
6:41
